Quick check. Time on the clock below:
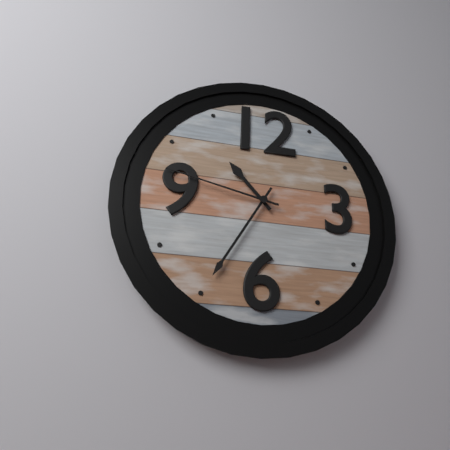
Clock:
10:35:47
